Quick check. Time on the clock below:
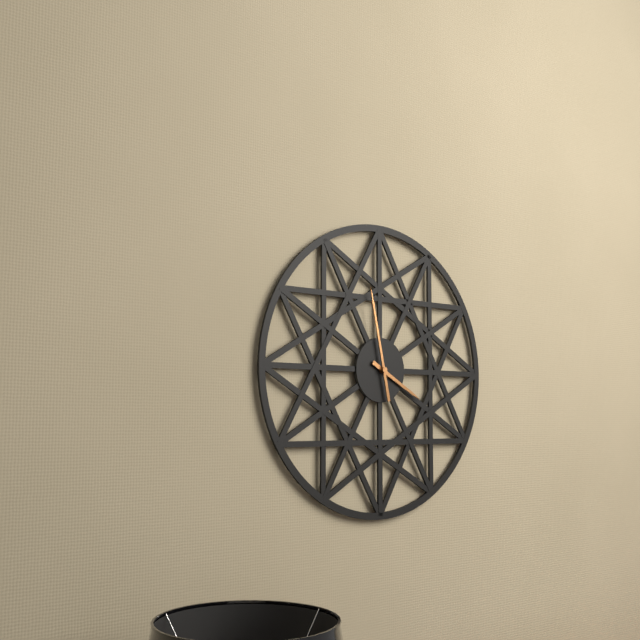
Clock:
3:58
